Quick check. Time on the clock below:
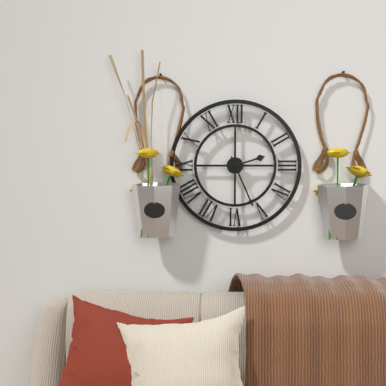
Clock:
2:26
